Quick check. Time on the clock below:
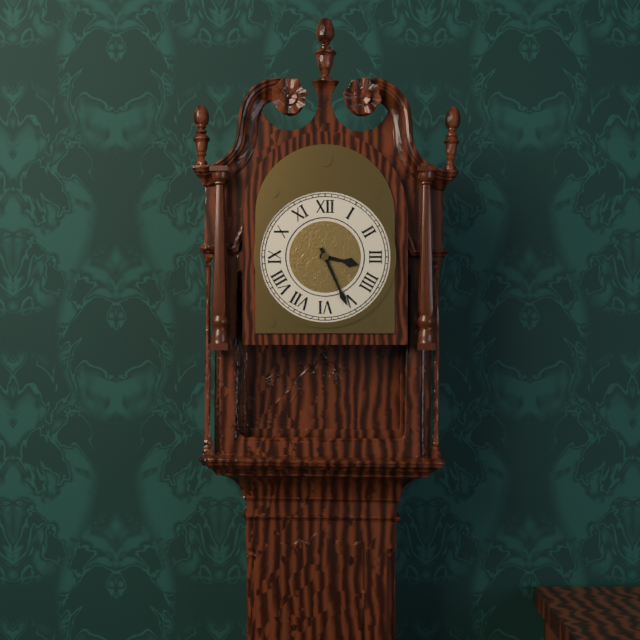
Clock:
3:26
